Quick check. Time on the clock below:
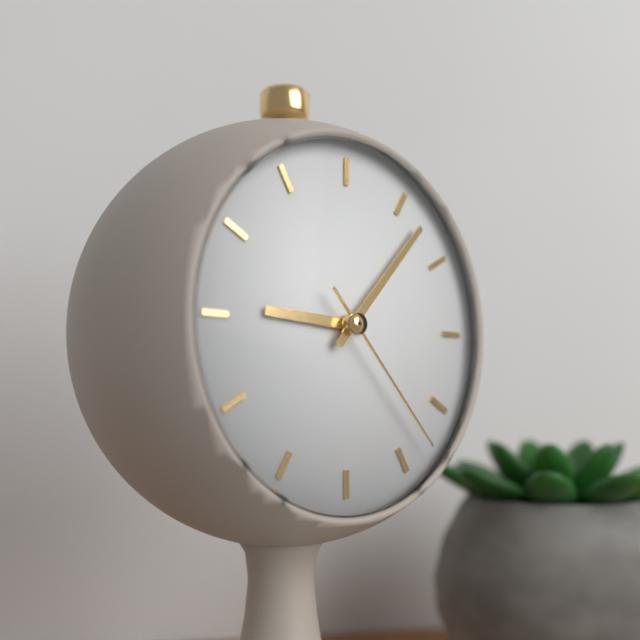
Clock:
9:07:23
